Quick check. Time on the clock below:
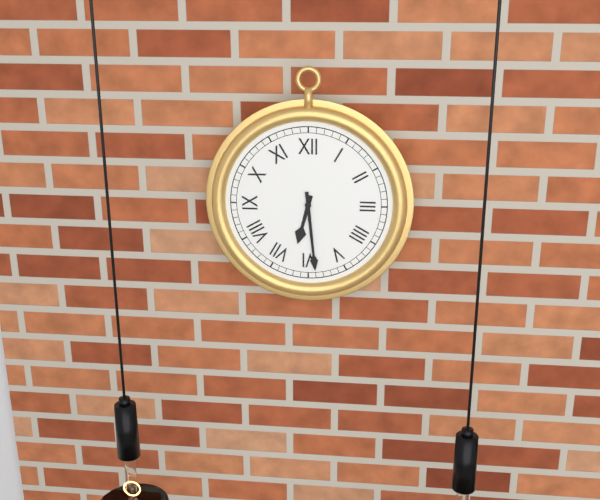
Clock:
6:29
